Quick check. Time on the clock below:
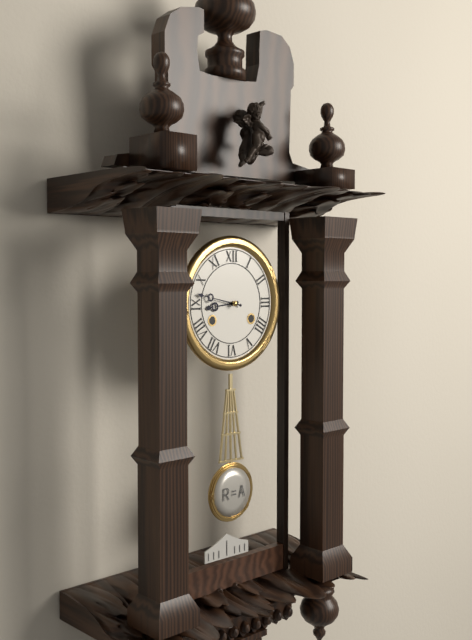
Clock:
8:47
